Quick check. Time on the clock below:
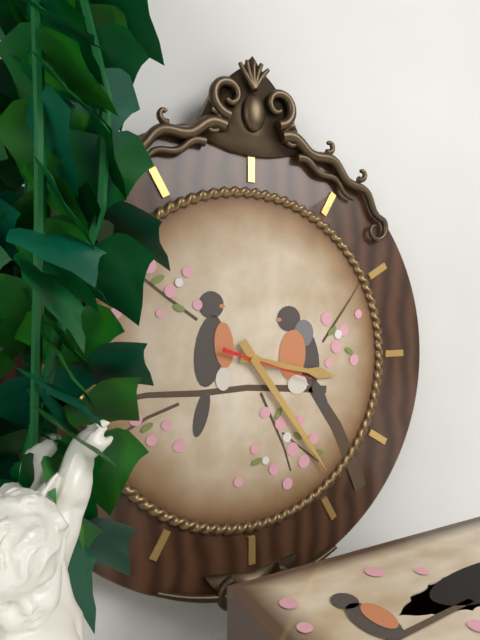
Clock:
3:24:18
